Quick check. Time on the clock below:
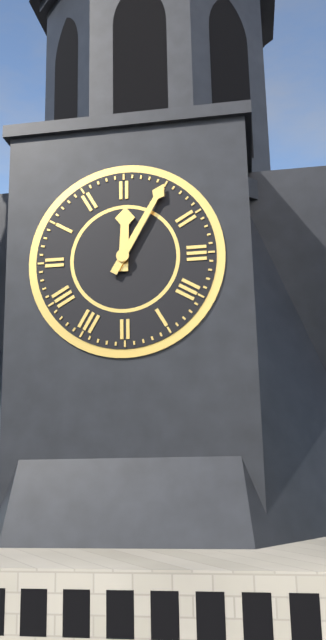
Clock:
12:05
